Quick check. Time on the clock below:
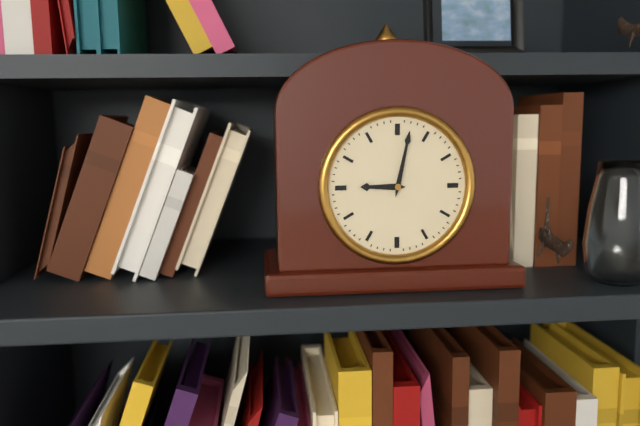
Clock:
9:02
